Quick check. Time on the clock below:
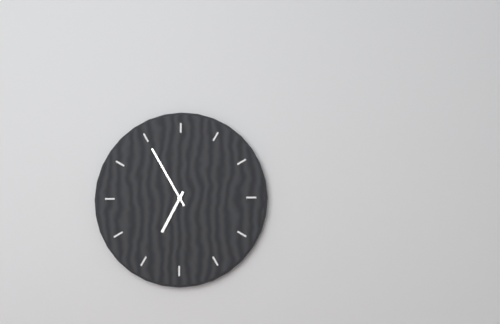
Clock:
6:55
